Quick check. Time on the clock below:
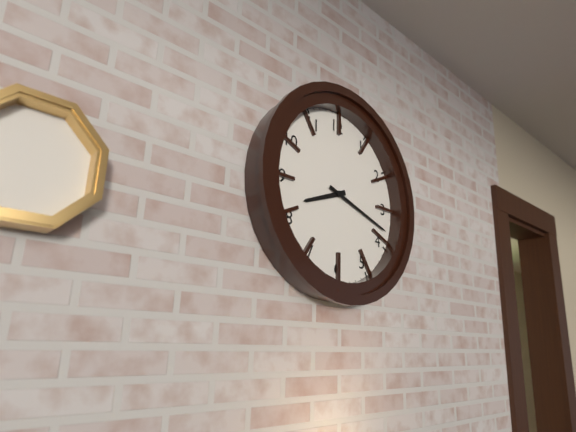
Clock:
8:18
